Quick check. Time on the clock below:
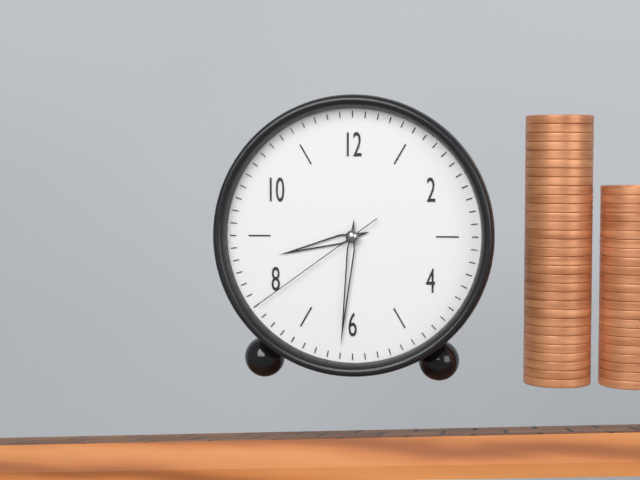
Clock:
8:31:39
